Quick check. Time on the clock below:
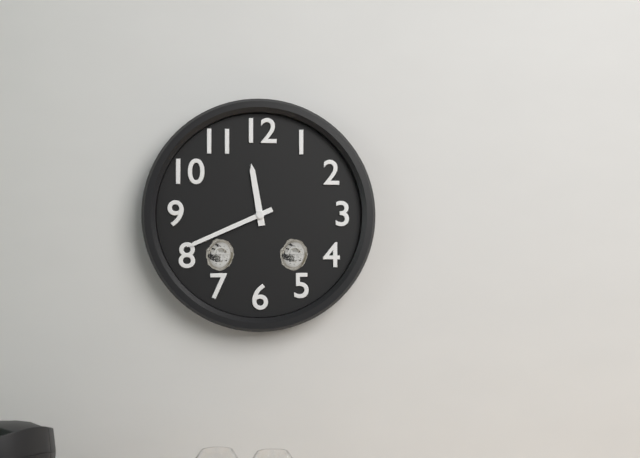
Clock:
11:41
